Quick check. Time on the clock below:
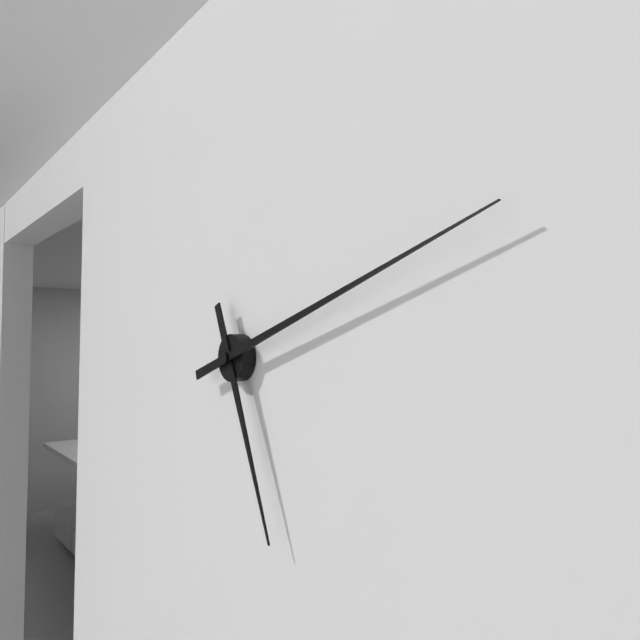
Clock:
5:12
